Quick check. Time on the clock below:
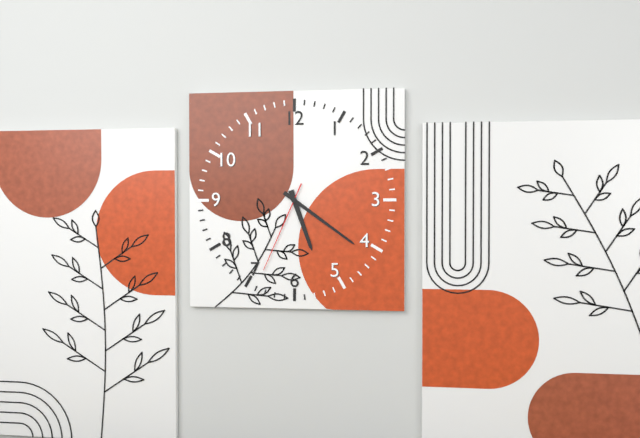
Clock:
5:21:34
